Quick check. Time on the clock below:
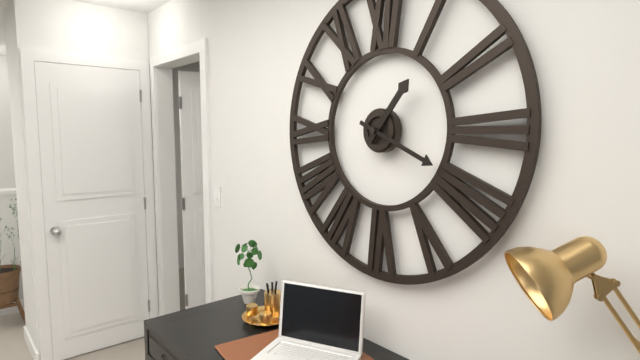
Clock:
1:19
